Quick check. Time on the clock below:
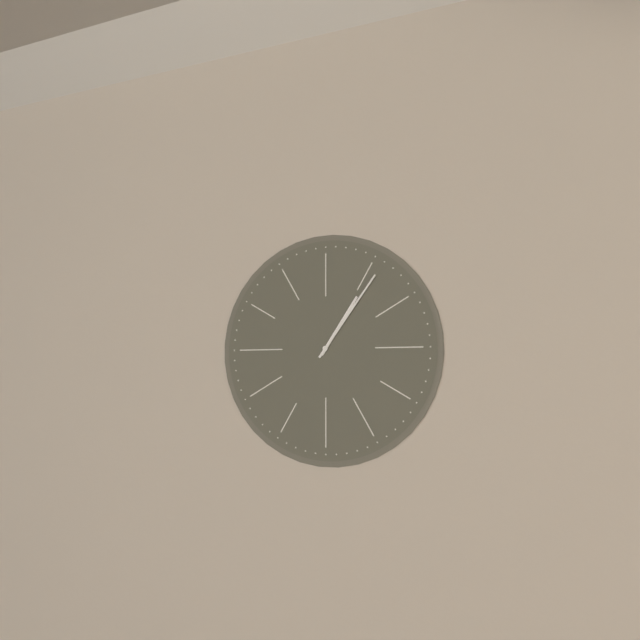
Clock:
1:06
